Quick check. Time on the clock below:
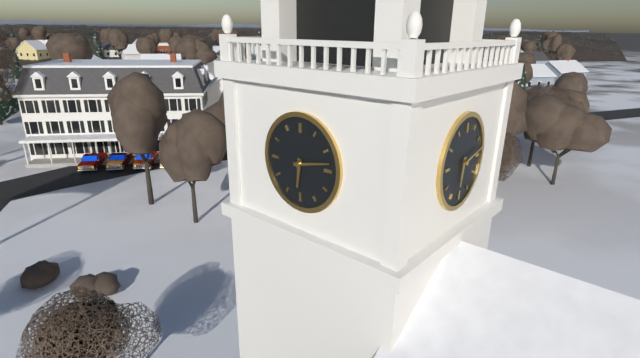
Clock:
6:13
